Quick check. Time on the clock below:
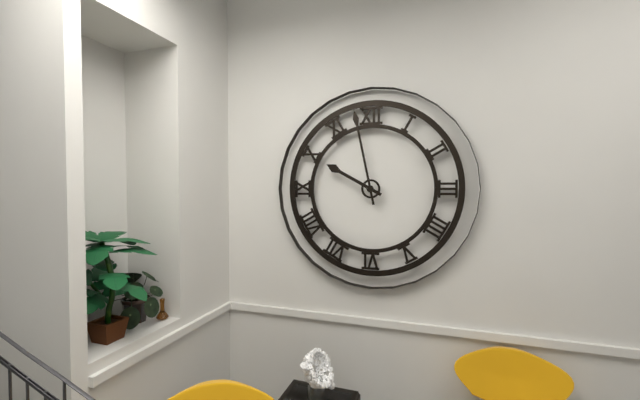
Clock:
9:58
